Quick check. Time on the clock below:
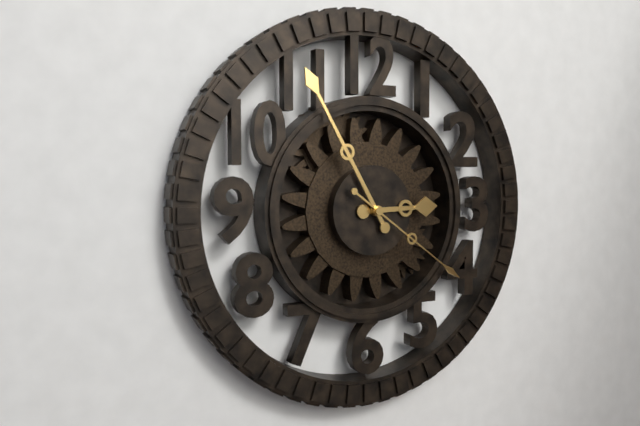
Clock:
2:55:21
